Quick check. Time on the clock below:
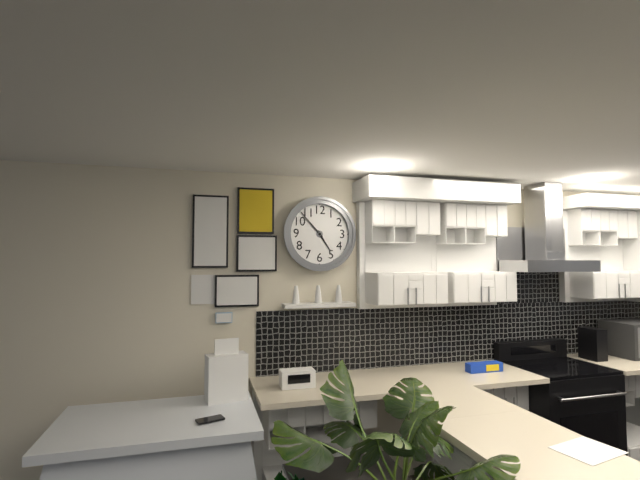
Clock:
4:53
